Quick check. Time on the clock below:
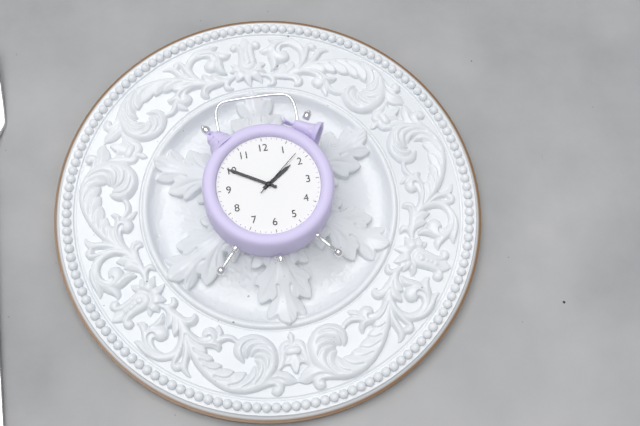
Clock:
1:50:08
